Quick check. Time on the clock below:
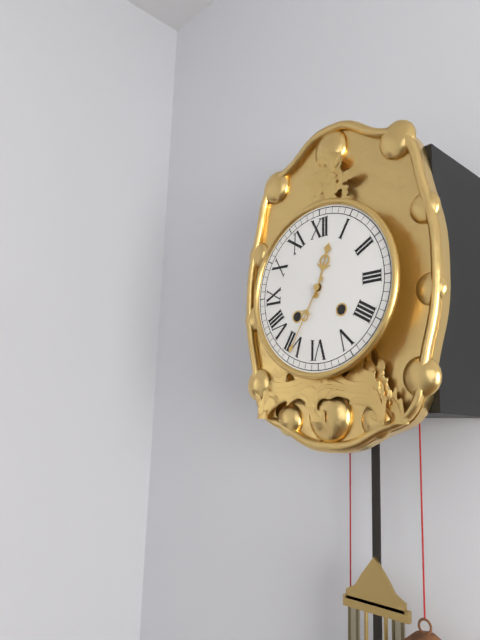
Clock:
12:35
